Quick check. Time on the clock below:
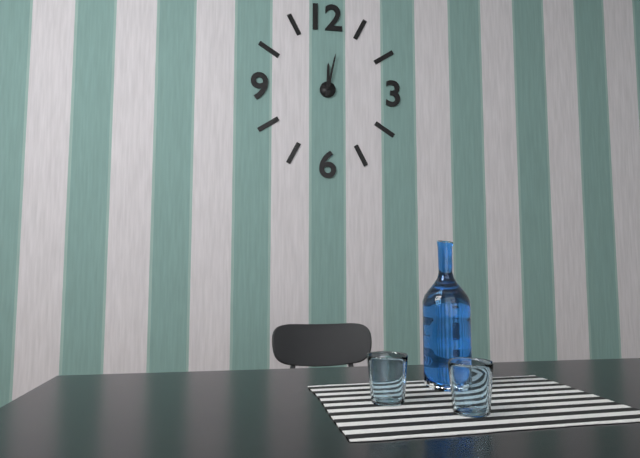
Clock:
12:02
